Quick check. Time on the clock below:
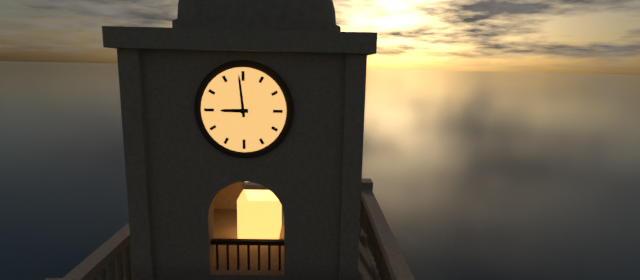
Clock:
8:59
